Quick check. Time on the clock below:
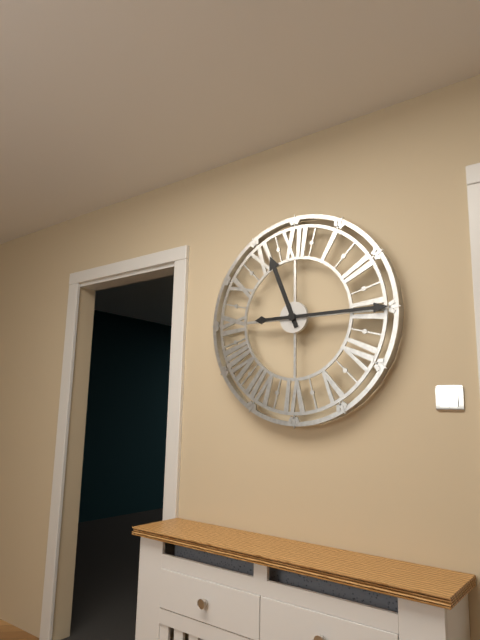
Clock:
11:15
